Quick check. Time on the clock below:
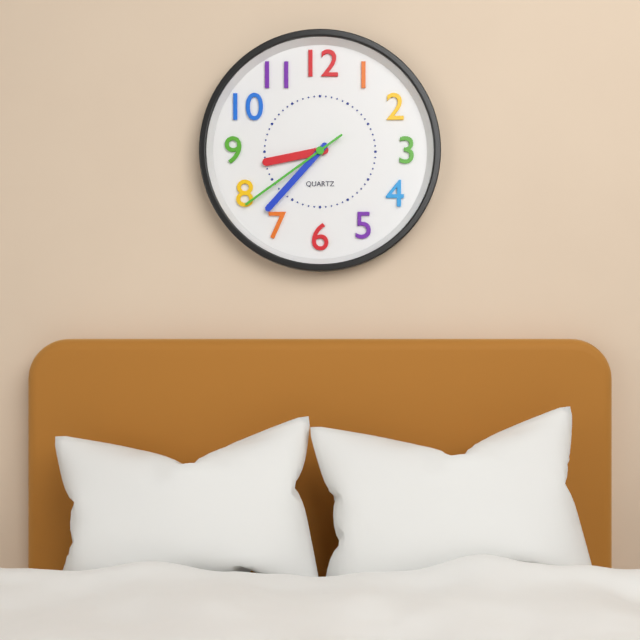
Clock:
8:37:39
